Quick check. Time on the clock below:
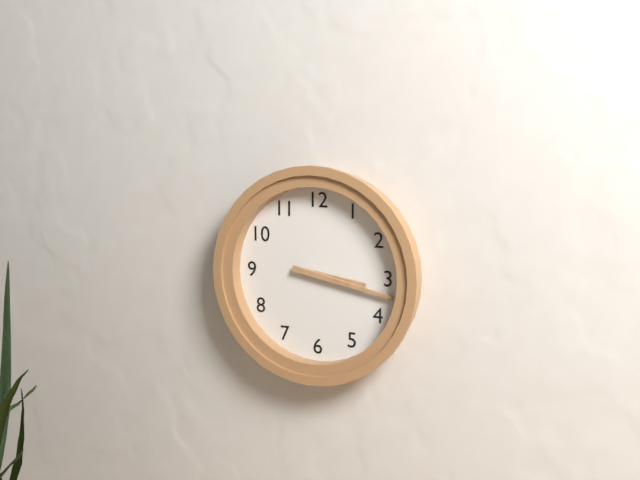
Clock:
3:17
